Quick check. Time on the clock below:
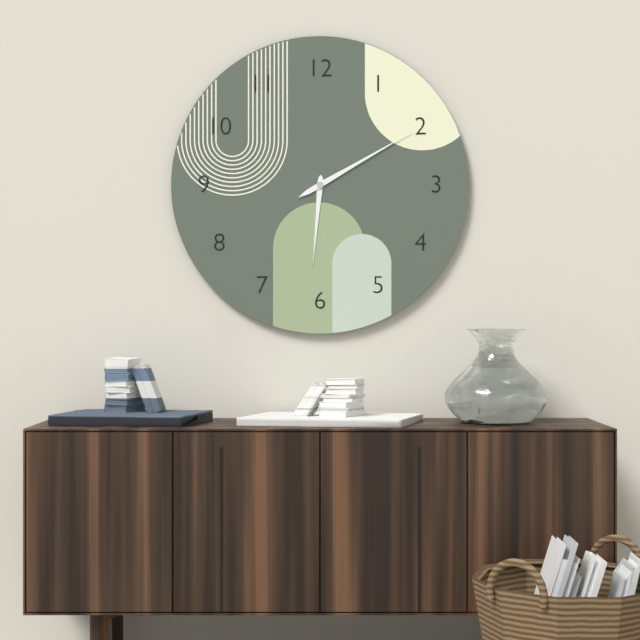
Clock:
6:10
